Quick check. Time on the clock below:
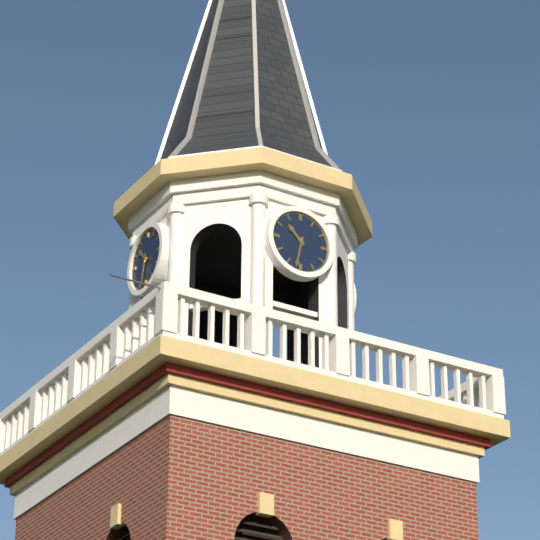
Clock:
10:32
